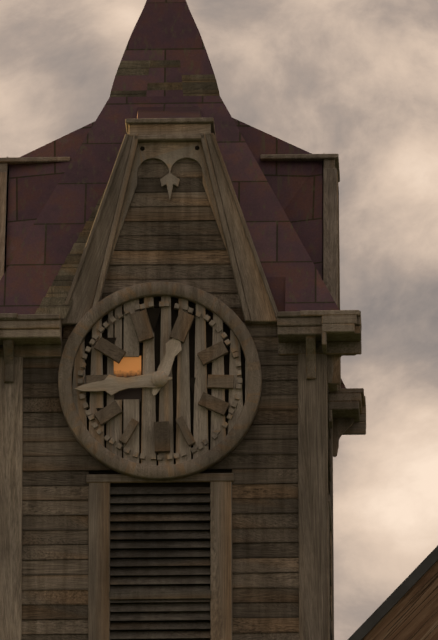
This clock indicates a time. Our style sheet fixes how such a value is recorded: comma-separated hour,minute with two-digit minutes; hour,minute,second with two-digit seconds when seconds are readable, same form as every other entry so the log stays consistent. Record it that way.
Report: 12,44
